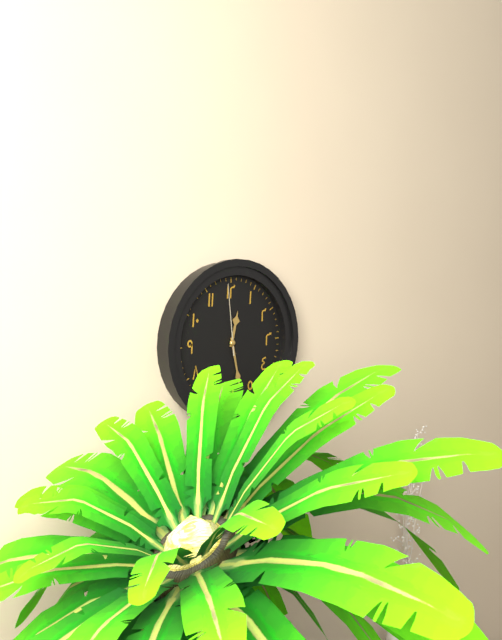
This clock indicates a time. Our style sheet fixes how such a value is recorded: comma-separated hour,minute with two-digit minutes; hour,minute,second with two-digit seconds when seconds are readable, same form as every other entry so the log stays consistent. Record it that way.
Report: 12,28,59
